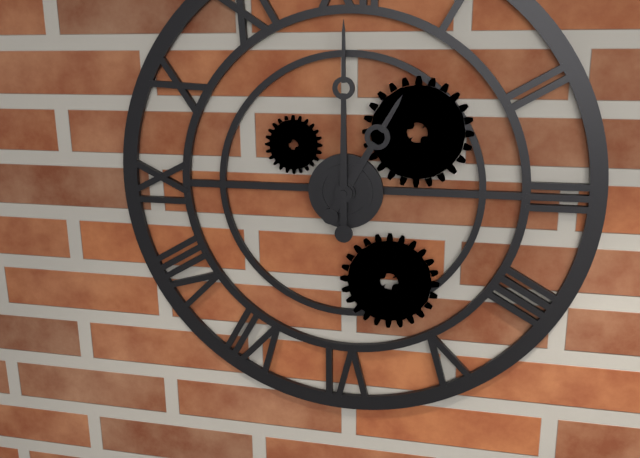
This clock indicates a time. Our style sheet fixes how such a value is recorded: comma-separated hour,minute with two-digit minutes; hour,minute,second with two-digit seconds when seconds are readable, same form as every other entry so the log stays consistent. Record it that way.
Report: 1,00
